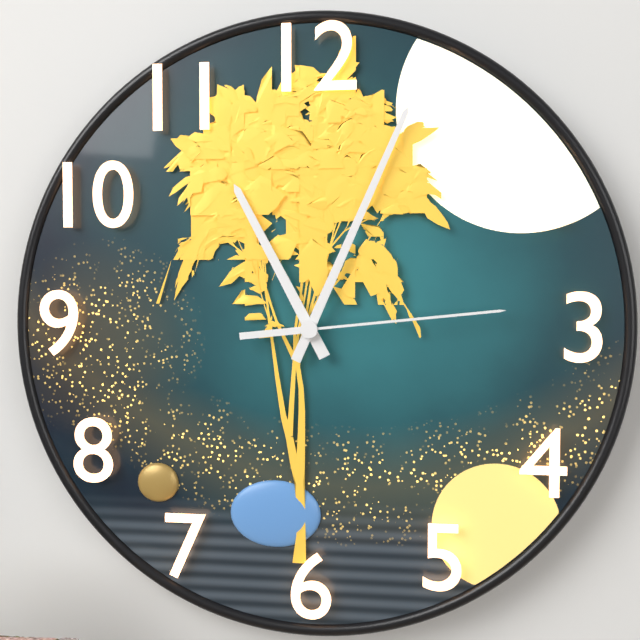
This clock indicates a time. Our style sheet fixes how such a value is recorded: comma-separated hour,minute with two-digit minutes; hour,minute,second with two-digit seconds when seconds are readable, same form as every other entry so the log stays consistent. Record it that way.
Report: 11,04,14
